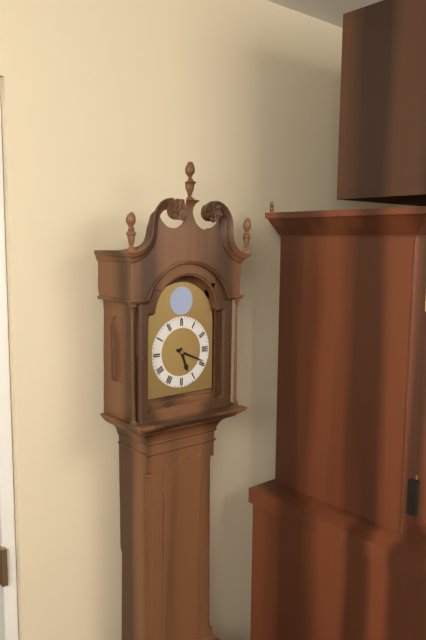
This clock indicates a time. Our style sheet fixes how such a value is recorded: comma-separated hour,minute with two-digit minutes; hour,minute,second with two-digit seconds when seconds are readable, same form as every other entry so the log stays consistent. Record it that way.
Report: 5,19
